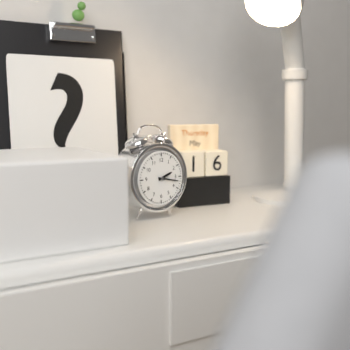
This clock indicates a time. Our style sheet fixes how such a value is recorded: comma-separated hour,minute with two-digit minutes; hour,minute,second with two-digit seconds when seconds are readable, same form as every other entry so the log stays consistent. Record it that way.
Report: 2,17
